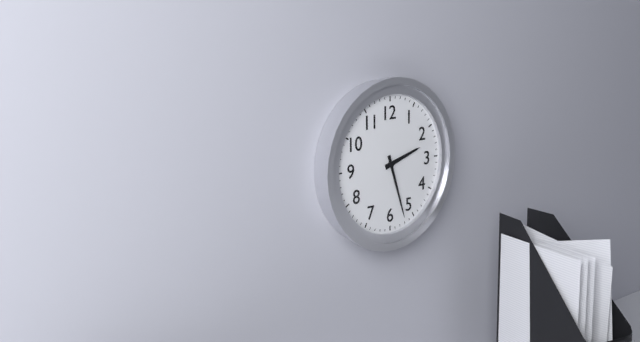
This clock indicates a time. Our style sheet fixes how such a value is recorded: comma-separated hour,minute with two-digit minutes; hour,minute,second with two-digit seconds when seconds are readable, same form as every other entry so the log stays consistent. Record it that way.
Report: 2,27
